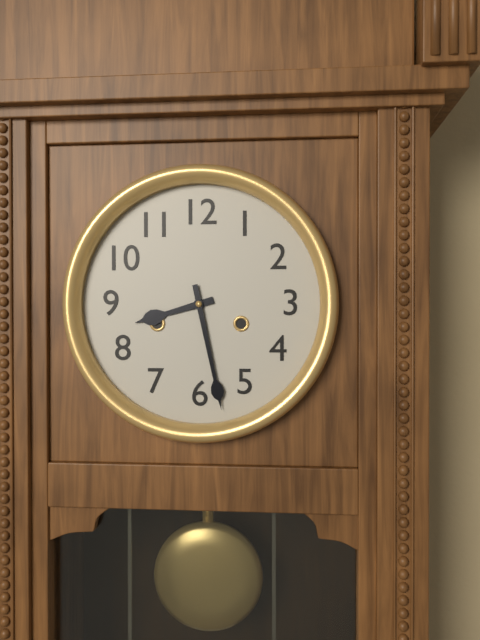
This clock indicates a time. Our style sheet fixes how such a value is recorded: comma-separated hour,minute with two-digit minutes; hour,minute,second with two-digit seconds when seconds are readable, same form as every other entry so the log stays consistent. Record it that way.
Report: 8,28
